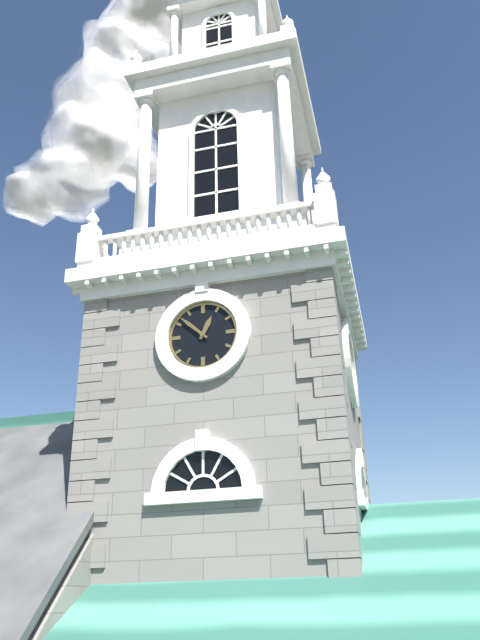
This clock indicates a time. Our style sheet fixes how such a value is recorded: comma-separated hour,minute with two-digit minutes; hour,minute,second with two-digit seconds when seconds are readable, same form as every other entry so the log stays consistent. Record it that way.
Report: 12,52
